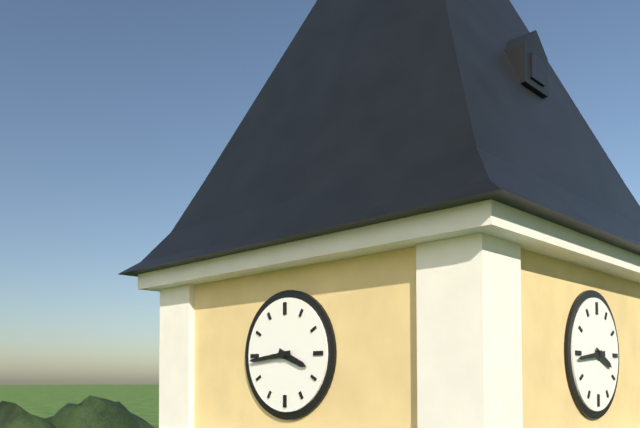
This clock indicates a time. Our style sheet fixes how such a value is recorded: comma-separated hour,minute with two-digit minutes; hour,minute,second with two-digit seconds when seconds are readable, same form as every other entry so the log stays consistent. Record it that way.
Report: 3,44
